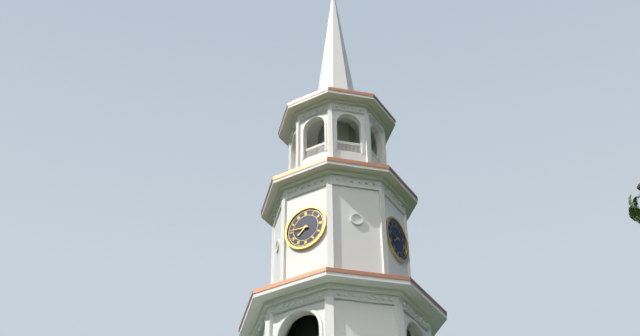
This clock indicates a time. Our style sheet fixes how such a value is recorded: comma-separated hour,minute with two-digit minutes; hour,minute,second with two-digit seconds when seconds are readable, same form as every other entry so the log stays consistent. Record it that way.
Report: 7,46
